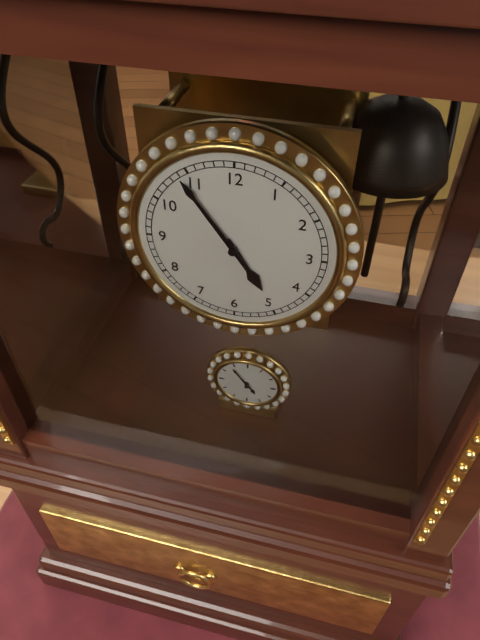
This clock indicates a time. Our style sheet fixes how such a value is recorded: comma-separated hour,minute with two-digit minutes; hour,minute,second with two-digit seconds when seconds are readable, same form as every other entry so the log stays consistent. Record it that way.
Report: 4,54
